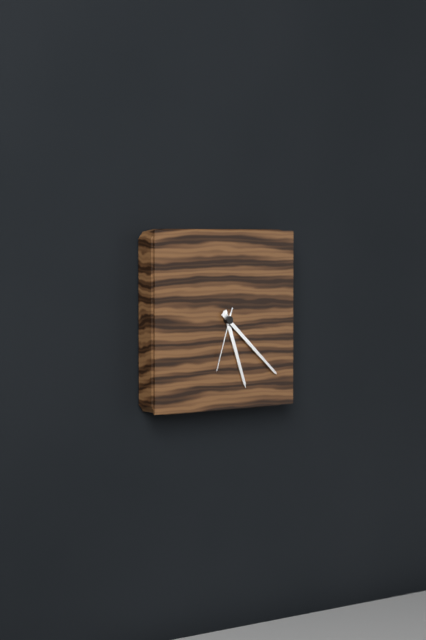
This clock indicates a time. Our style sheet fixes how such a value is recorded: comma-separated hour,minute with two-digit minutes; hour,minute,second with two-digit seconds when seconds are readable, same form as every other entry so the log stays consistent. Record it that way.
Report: 5,22,33
